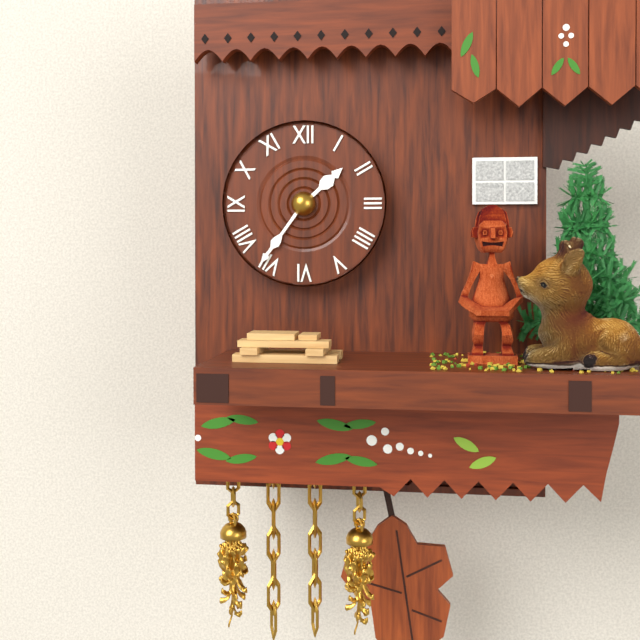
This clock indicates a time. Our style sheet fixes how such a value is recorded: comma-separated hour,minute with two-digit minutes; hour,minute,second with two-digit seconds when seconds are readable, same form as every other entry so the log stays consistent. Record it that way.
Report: 1,36
